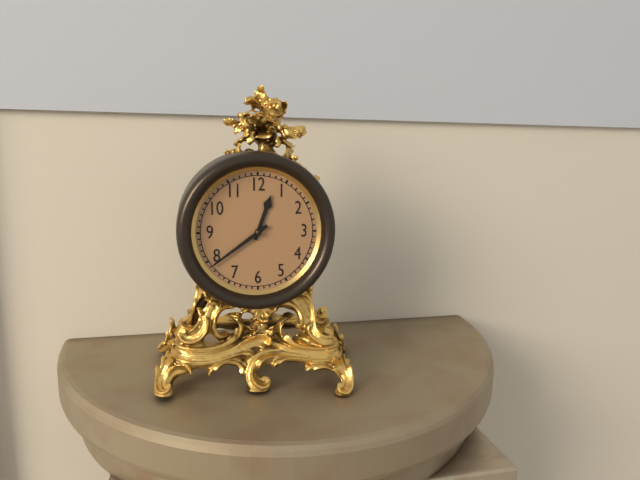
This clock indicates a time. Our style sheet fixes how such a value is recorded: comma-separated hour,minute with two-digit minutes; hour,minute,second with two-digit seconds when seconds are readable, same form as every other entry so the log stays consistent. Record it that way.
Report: 12,39
